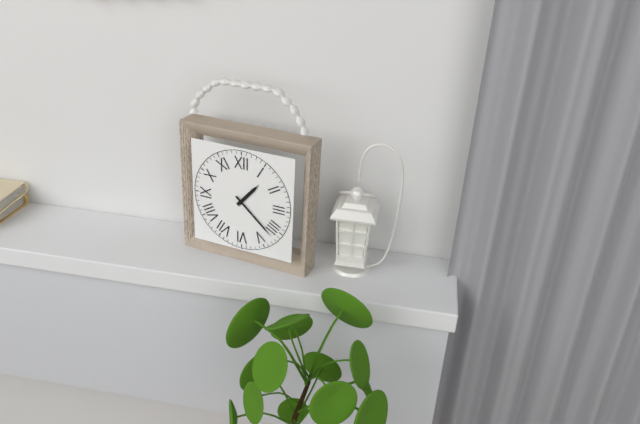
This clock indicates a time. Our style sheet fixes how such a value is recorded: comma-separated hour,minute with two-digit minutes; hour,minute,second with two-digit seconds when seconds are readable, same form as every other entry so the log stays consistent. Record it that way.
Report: 1,22
